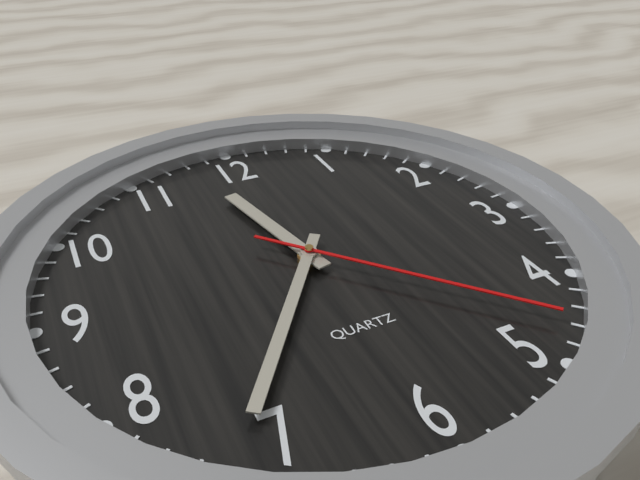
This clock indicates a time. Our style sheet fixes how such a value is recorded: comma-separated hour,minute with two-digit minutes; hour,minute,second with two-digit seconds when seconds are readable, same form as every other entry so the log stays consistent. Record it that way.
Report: 11,36,23
